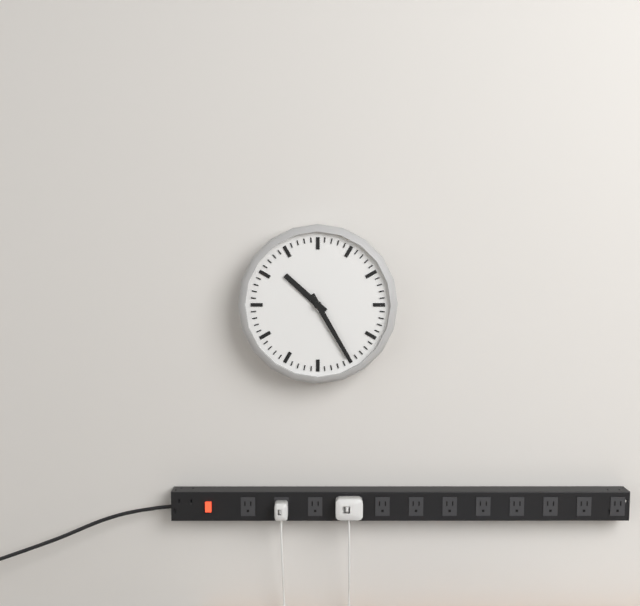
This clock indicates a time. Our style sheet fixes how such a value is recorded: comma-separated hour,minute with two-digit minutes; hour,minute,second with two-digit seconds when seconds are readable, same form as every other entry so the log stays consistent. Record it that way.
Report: 10,25
